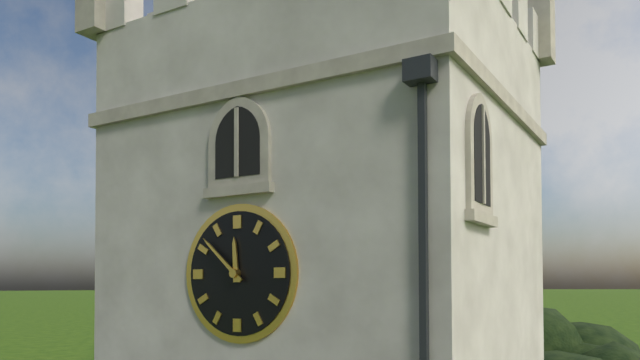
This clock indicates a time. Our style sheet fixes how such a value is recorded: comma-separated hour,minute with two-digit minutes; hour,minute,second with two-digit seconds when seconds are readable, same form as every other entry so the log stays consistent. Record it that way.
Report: 11,52
